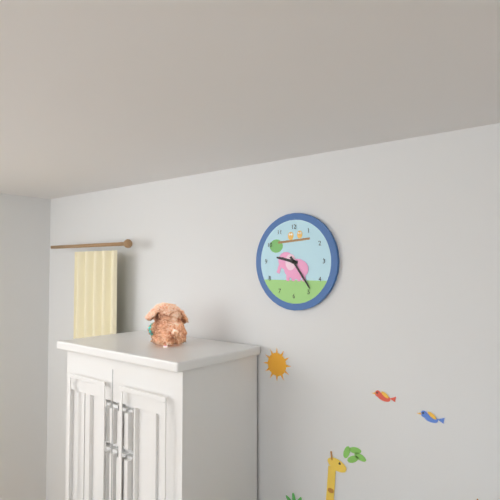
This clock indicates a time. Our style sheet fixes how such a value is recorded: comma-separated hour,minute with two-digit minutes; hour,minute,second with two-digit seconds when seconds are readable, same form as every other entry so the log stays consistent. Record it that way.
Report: 9,24
